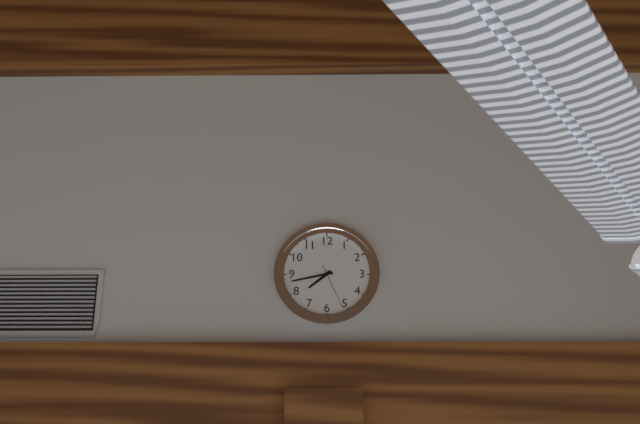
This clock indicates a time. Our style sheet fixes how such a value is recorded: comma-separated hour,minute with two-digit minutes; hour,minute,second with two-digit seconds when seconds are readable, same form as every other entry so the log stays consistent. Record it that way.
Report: 7,43
